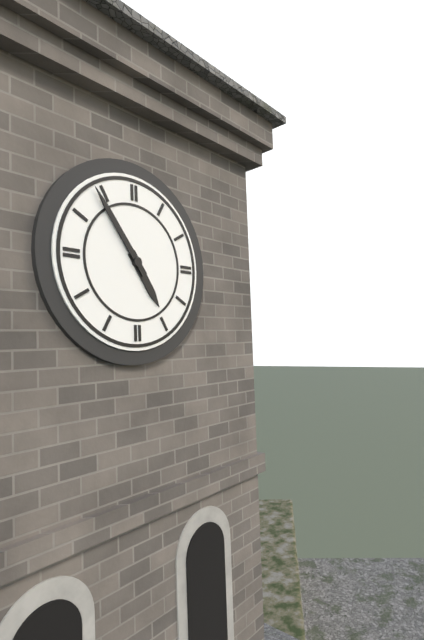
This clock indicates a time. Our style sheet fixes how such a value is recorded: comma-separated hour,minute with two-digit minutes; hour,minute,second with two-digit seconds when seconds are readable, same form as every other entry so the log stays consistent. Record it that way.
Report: 4,54
